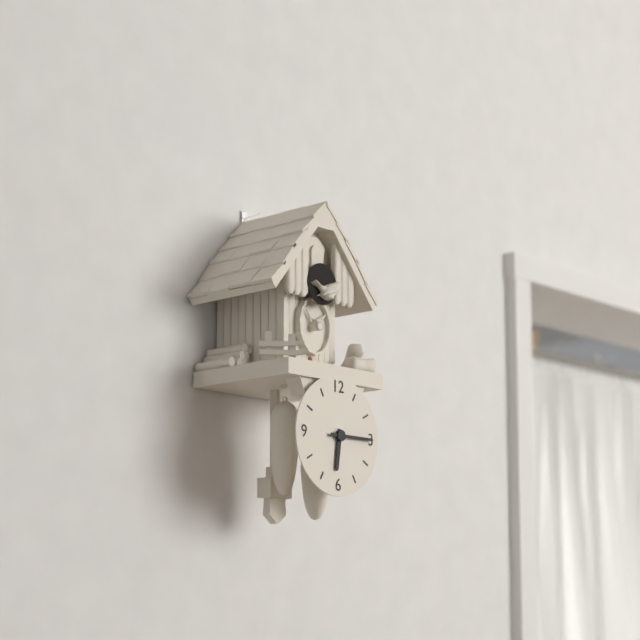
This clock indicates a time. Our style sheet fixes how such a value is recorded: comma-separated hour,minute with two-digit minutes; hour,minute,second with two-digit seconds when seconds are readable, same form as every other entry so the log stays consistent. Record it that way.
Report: 6,15
